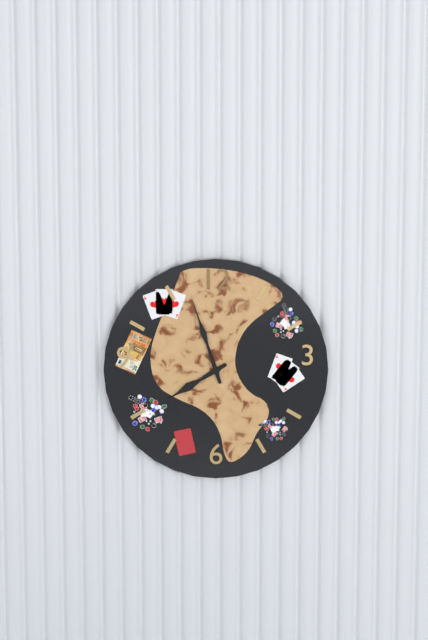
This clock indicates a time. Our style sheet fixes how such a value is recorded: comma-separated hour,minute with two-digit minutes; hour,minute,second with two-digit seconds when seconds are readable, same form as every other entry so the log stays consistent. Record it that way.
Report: 7,57
